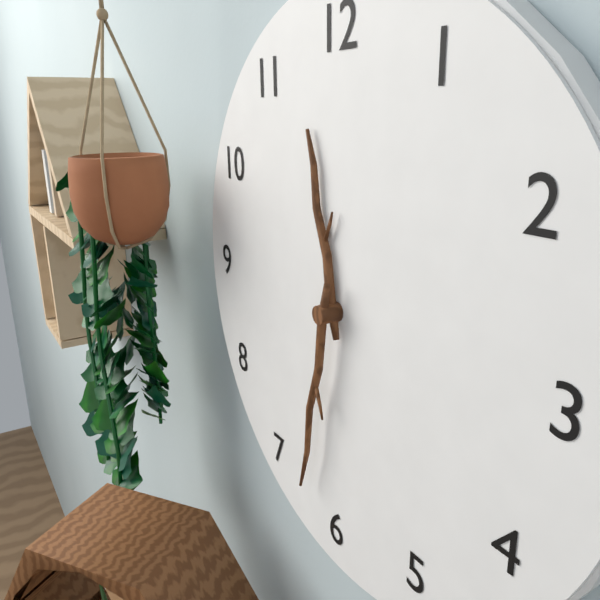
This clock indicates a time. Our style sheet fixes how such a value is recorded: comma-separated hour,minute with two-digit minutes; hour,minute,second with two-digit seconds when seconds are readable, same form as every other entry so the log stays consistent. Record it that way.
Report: 11,32
